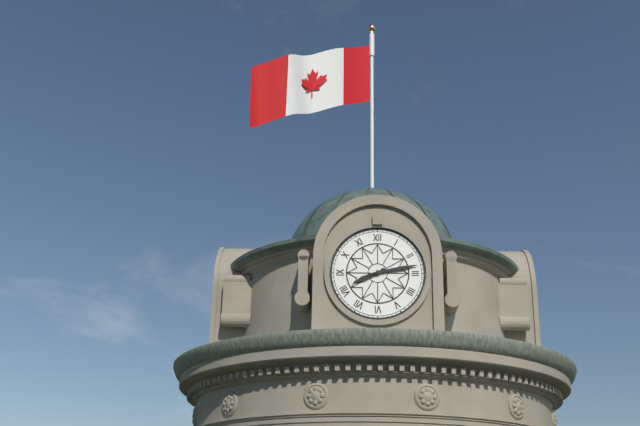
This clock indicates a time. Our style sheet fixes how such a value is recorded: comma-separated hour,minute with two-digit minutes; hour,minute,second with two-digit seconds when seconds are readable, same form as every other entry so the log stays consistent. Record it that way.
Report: 8,13
